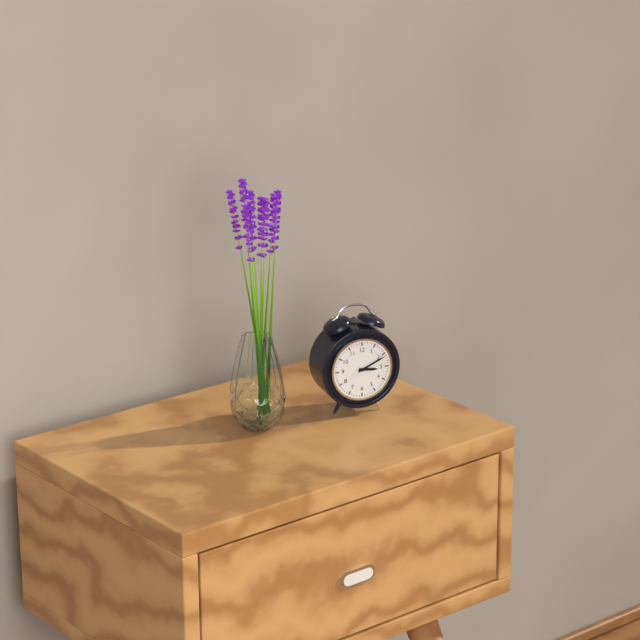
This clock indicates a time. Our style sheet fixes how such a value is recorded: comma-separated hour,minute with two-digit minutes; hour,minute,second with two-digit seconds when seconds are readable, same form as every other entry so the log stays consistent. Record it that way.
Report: 3,11
